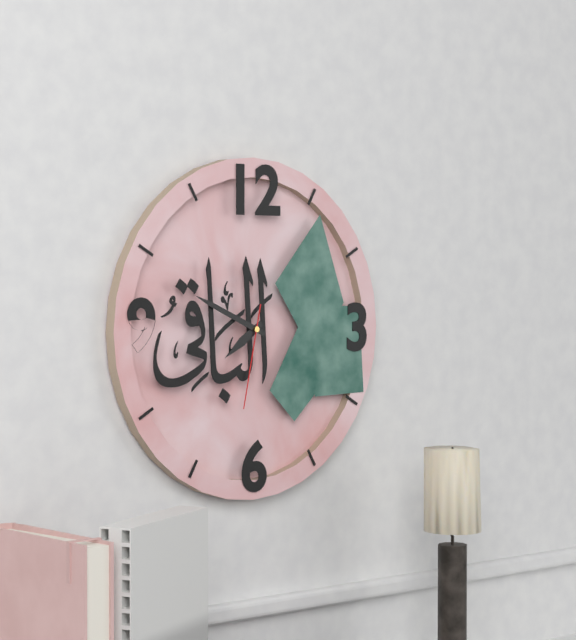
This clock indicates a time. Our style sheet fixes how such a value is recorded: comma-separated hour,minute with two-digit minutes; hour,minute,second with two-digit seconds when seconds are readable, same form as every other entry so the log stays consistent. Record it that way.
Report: 7,49,32
